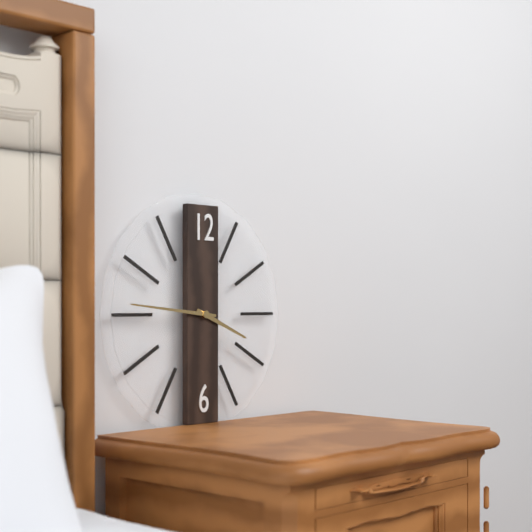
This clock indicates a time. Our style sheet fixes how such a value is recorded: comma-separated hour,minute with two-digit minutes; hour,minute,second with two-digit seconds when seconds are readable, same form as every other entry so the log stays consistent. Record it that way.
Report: 3,46
